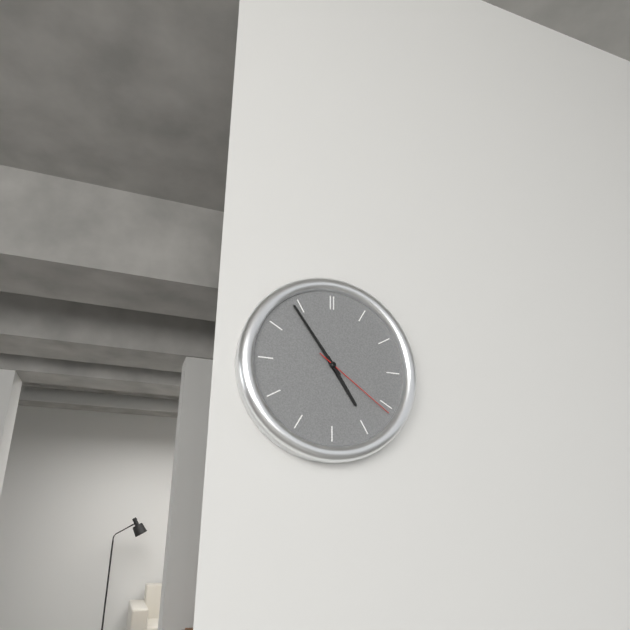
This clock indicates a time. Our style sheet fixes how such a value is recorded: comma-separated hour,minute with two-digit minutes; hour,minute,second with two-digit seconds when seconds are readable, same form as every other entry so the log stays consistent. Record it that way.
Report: 4,54,21
